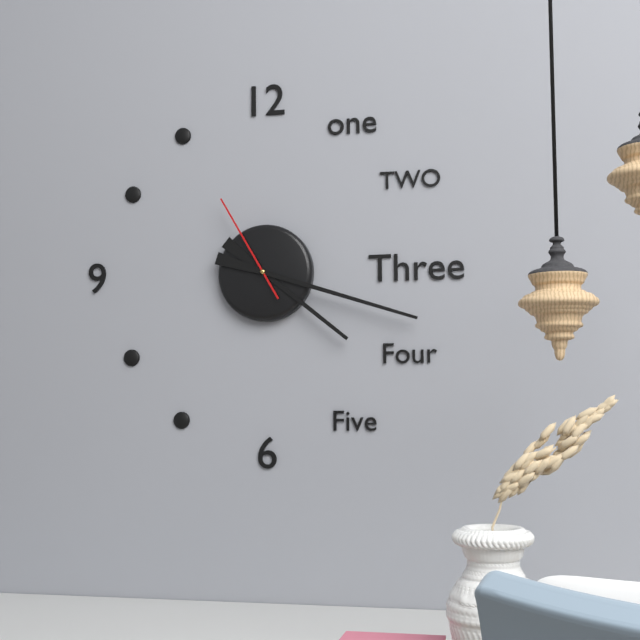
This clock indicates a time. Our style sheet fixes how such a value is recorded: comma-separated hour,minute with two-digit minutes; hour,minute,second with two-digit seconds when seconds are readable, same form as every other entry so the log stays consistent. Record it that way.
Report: 4,18,55
